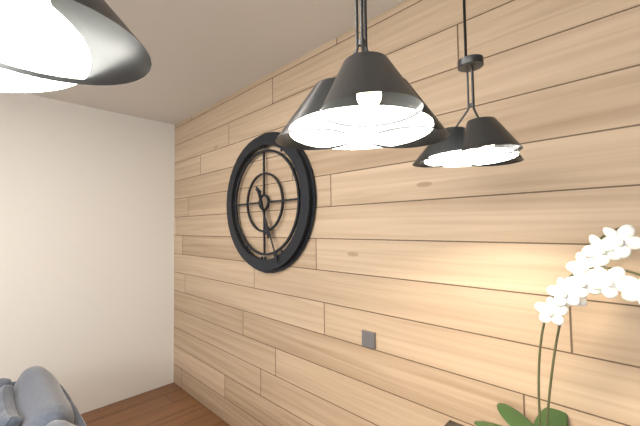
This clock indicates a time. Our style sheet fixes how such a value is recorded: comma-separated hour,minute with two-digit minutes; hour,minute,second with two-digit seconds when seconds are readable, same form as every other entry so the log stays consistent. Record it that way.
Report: 5,26
